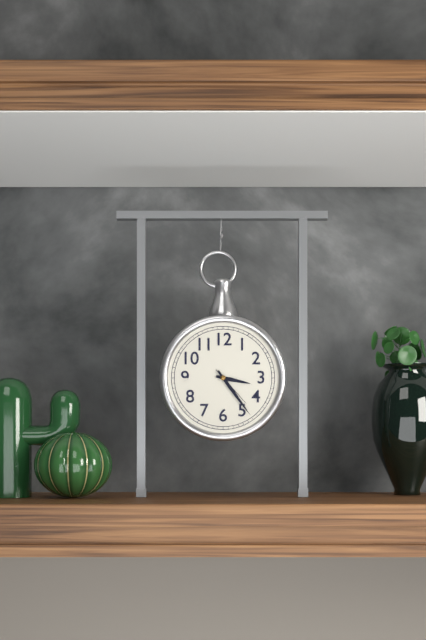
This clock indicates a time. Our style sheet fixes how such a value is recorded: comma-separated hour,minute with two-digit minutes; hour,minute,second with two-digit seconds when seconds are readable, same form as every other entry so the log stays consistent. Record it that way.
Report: 3,24
